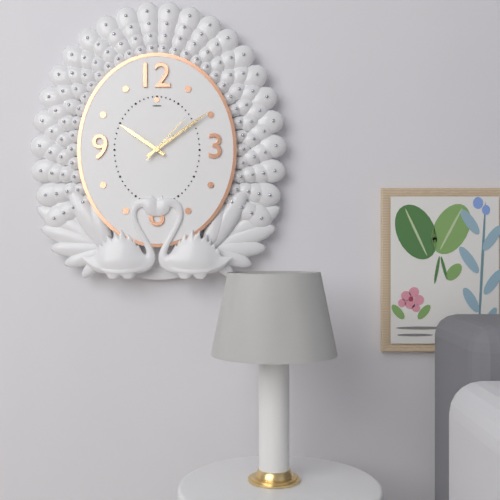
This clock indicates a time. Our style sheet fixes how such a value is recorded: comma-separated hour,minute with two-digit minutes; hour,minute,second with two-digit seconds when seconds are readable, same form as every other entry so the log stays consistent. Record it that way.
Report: 10,09,07
